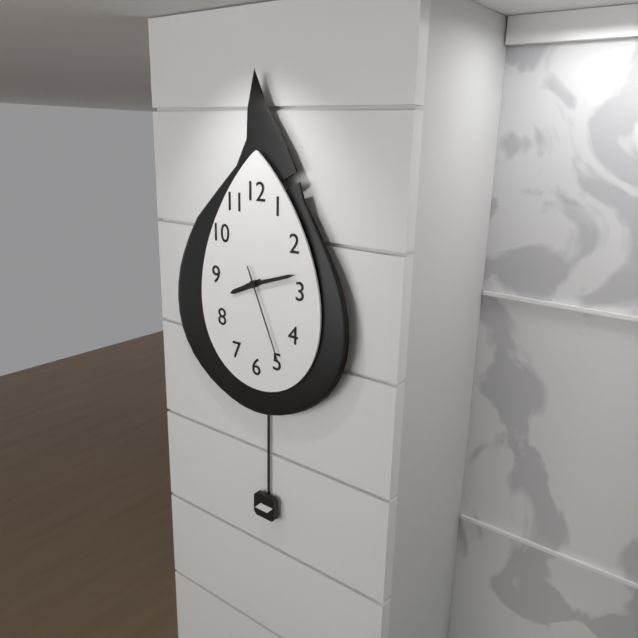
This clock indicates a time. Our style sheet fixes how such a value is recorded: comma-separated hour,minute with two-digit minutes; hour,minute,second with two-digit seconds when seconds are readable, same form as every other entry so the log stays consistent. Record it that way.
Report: 8,12,26
